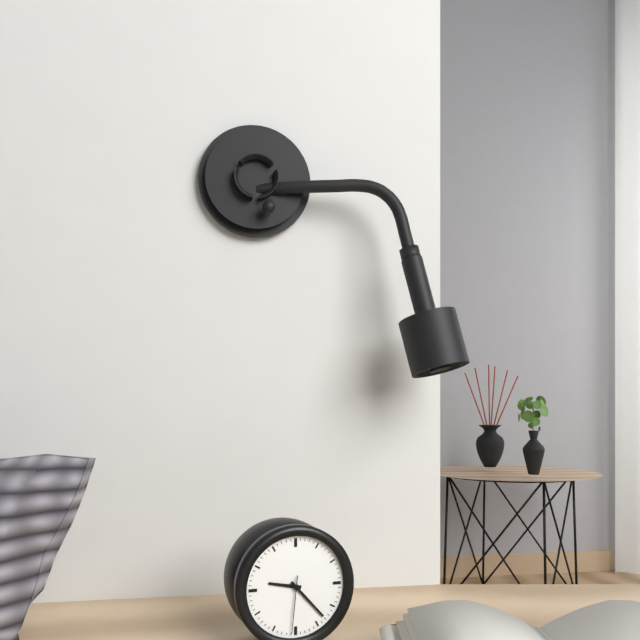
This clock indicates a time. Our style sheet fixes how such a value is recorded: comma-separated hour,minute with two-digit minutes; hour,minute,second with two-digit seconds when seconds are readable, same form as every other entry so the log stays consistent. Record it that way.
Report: 9,23,31
